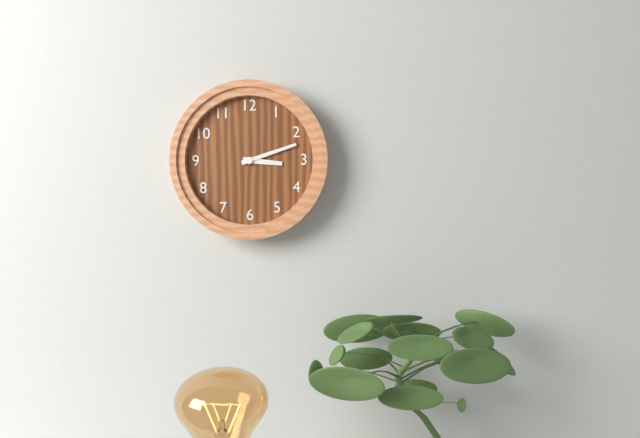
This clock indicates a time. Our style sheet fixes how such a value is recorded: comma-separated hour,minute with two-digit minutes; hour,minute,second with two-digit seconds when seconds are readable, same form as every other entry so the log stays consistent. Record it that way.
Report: 3,12
